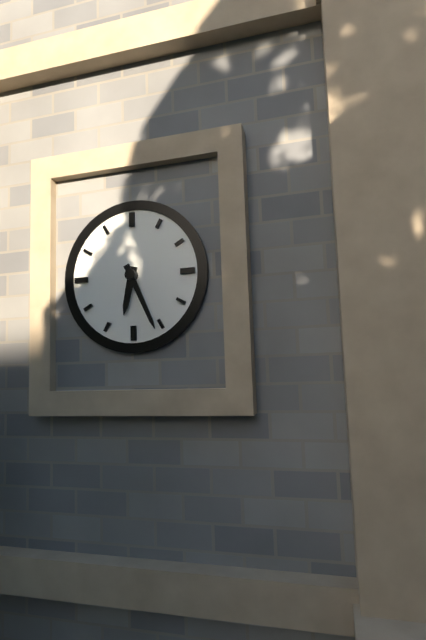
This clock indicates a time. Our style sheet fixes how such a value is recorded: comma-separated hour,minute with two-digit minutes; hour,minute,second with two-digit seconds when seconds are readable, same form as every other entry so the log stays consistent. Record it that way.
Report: 6,26
